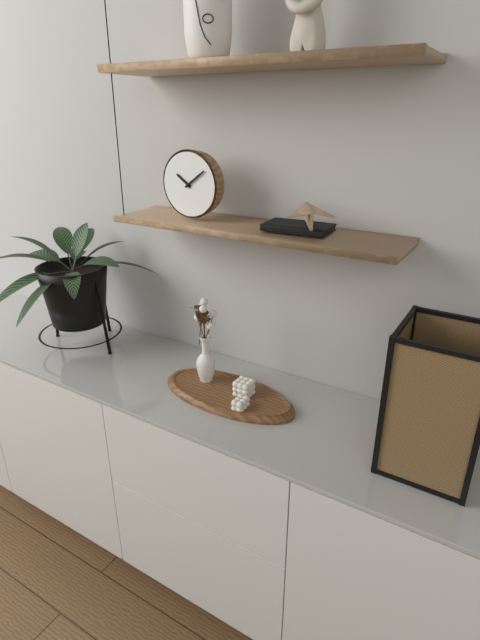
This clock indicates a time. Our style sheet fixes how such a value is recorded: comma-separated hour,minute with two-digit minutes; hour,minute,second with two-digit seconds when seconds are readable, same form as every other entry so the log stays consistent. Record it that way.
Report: 10,09
